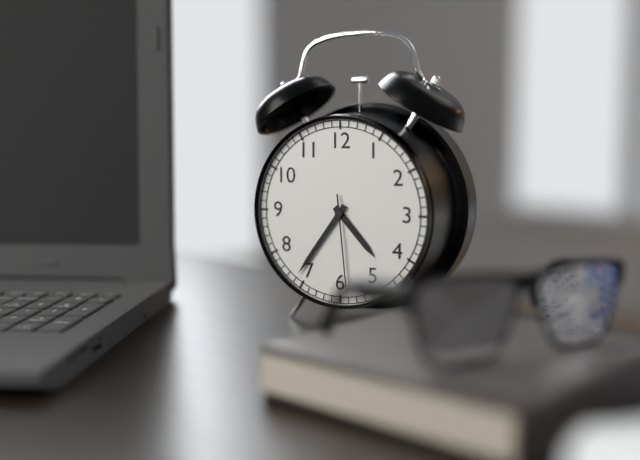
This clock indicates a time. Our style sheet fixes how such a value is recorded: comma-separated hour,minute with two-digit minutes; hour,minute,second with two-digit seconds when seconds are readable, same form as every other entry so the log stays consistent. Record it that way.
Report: 4,36,29
